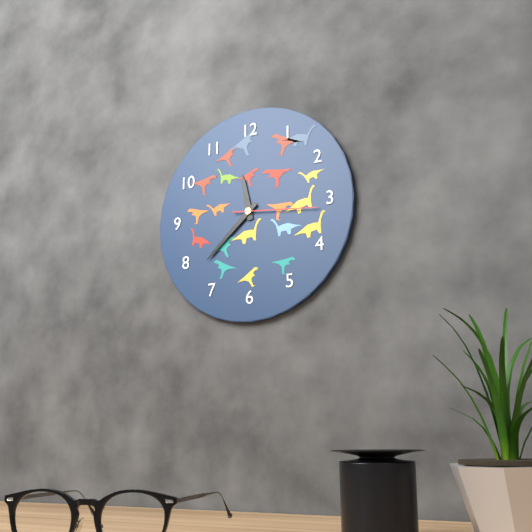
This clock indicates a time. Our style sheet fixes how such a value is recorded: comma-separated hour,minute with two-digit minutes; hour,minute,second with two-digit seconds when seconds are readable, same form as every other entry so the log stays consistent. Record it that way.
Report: 11,38,16
